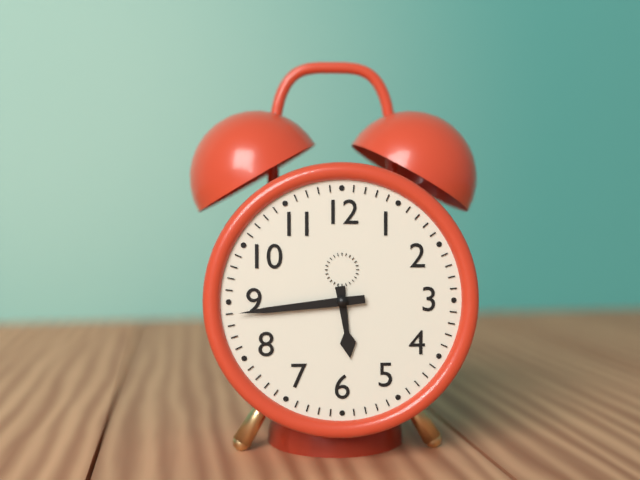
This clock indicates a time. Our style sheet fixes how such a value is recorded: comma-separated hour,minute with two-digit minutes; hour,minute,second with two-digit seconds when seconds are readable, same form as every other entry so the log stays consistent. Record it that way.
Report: 5,44
